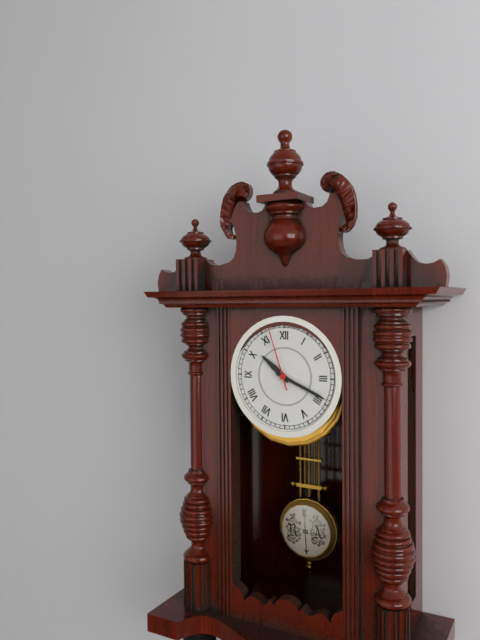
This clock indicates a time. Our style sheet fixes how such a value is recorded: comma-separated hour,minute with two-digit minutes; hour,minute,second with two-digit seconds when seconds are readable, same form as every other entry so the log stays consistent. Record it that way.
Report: 10,19,57
